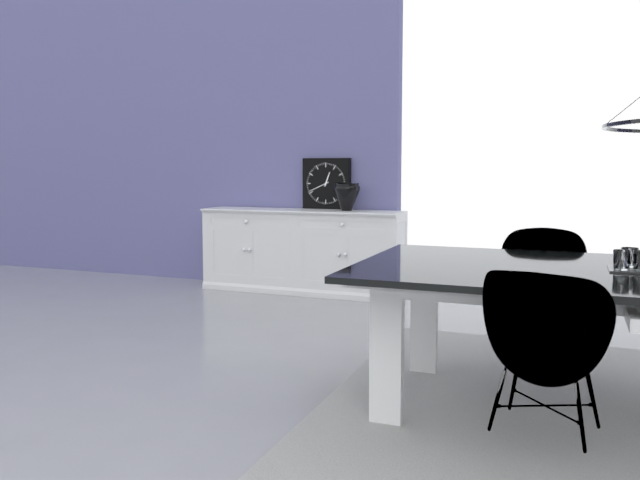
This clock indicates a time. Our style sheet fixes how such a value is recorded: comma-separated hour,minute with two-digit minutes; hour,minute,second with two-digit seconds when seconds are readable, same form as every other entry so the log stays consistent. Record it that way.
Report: 12,41
